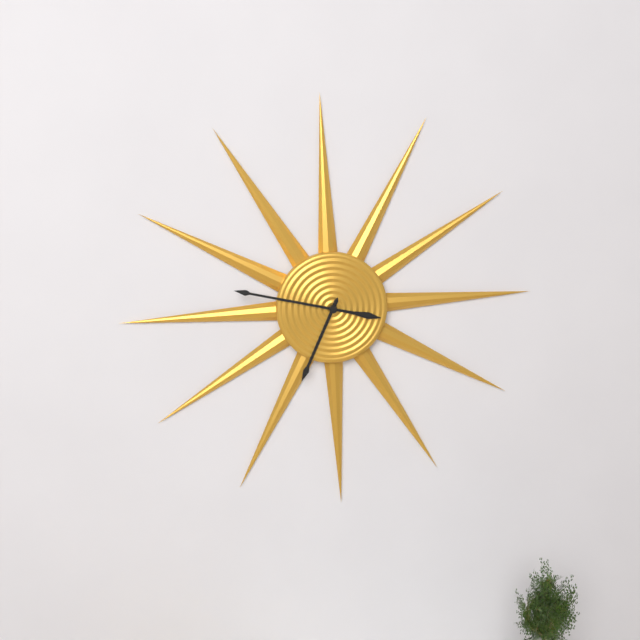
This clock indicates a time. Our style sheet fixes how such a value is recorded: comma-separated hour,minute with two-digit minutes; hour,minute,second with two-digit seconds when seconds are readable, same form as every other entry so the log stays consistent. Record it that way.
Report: 6,47
